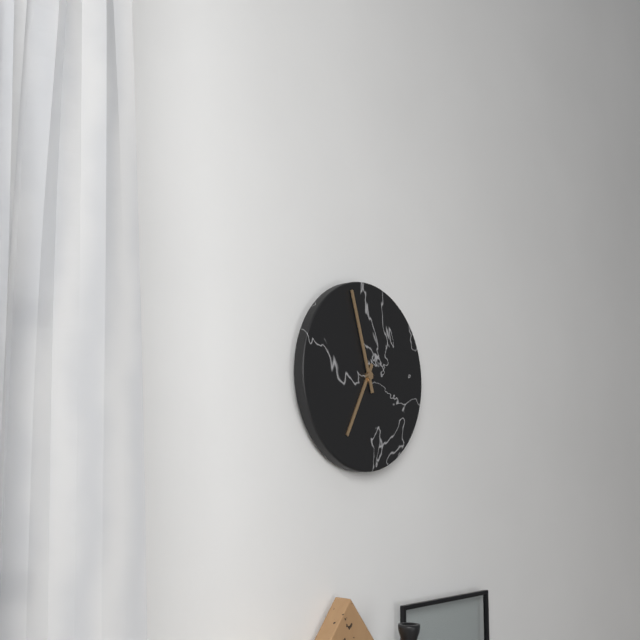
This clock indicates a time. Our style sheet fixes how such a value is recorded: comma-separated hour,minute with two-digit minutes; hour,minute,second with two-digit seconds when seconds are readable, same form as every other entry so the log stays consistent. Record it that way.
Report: 6,57
